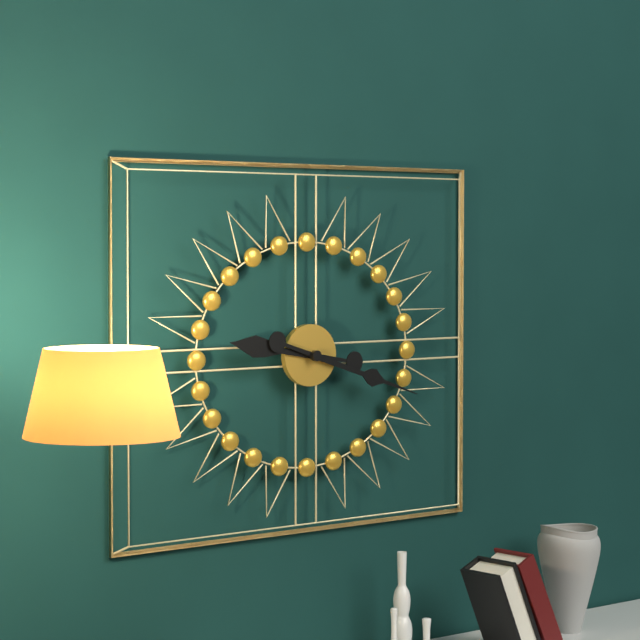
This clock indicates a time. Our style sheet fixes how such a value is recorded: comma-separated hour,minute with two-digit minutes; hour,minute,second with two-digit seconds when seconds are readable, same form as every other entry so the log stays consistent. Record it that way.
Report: 9,18
